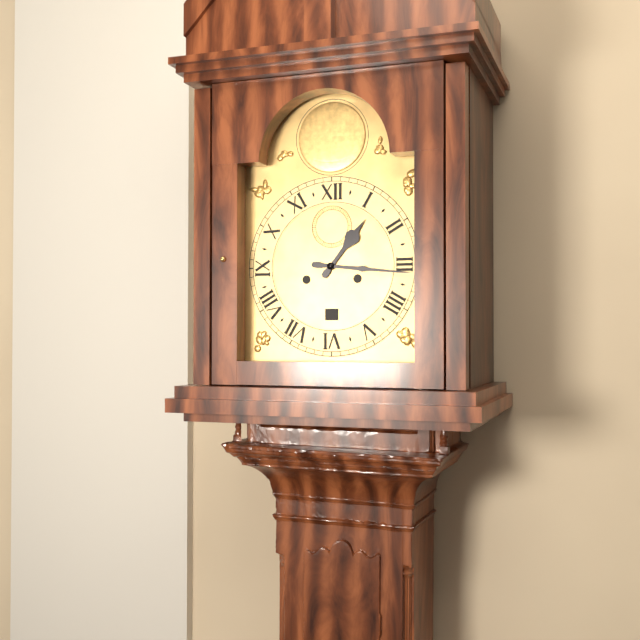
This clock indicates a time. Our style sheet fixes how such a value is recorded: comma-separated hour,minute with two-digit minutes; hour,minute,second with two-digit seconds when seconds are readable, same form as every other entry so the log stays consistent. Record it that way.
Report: 1,16
